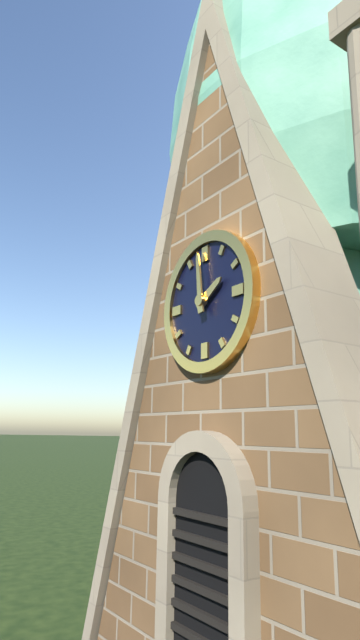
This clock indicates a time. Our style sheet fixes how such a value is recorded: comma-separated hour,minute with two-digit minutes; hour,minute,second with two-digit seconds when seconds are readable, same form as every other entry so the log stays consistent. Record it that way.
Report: 1,59
